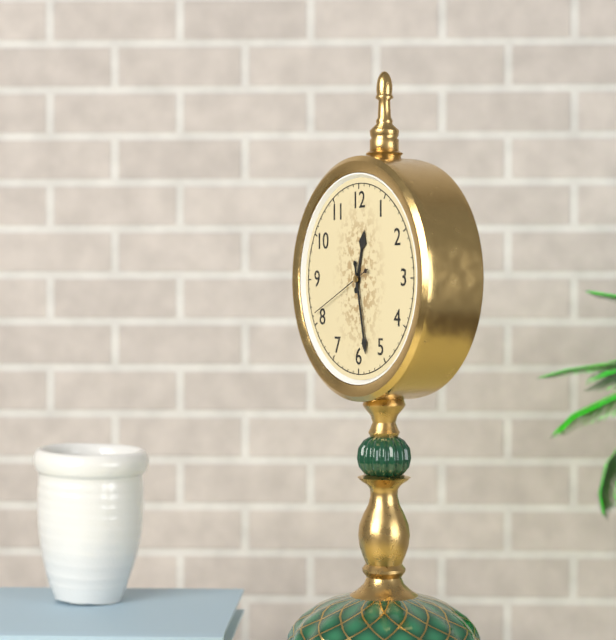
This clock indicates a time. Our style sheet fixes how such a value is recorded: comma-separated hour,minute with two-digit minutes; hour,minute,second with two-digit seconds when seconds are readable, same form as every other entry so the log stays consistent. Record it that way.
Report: 12,28,41
